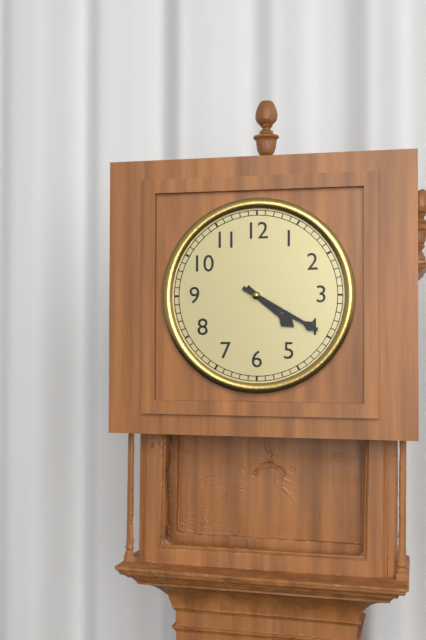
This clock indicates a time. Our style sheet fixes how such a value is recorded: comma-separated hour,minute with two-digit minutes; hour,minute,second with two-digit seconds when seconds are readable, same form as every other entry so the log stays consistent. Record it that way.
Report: 4,20
